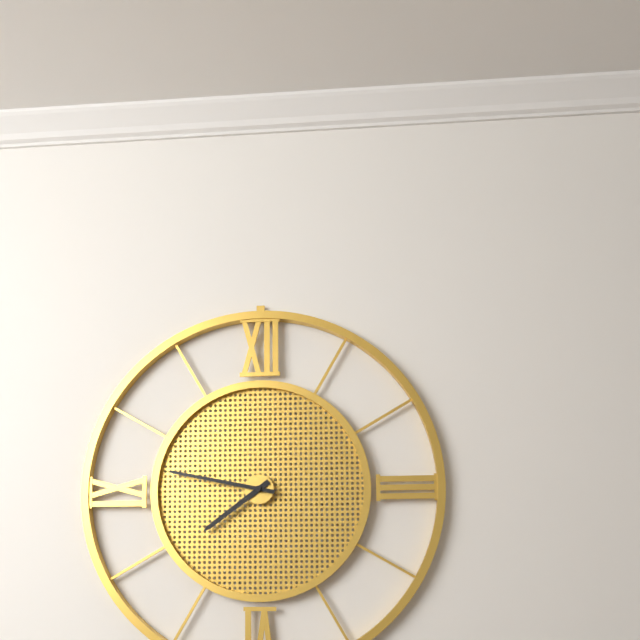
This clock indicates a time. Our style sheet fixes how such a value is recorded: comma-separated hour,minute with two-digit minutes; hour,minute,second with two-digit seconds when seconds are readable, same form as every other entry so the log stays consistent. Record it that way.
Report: 7,47
